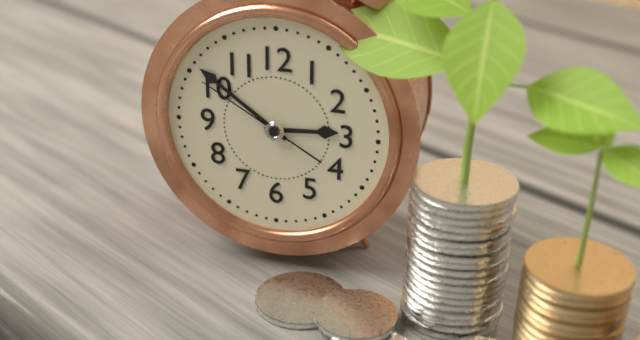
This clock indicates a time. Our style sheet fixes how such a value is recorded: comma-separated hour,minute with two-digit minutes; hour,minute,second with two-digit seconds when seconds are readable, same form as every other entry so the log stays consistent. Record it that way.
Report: 2,51,50
